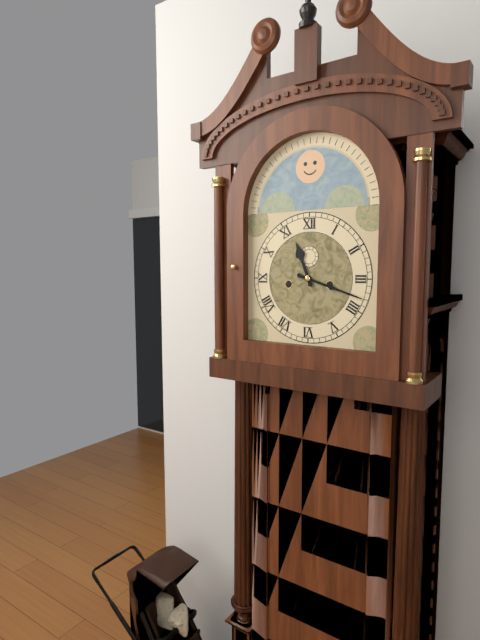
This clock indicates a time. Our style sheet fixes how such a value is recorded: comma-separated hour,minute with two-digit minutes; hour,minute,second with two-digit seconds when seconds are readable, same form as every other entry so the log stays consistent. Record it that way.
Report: 11,18
